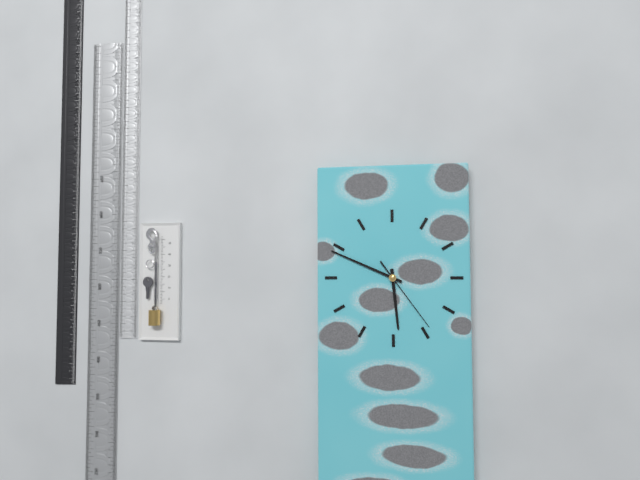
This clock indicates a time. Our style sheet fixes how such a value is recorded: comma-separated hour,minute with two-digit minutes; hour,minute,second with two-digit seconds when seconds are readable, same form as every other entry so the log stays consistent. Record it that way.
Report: 5,49,24
